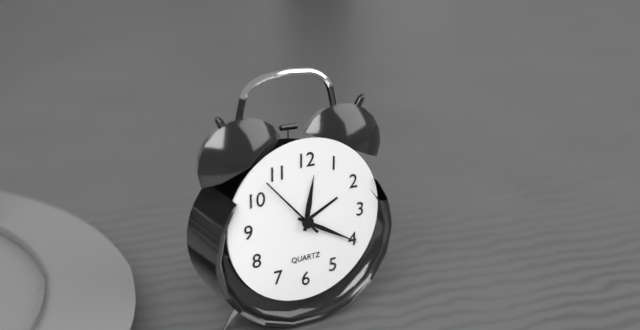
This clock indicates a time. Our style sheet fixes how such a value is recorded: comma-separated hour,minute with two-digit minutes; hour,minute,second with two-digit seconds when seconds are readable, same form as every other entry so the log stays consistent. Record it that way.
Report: 12,20,53
